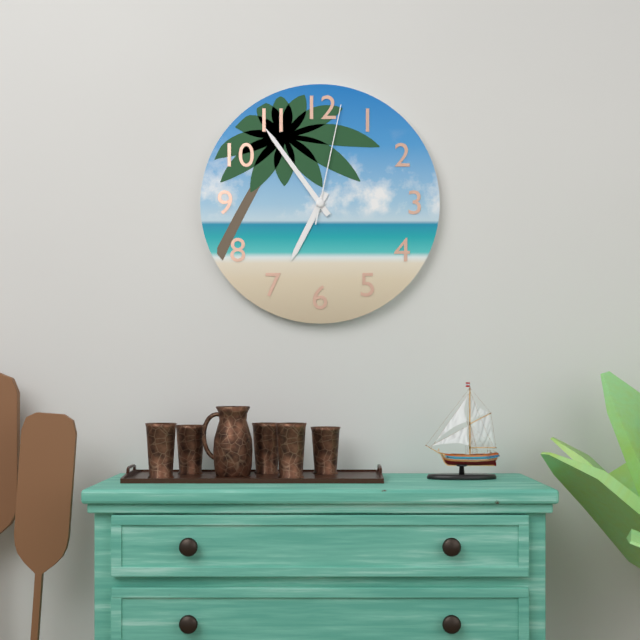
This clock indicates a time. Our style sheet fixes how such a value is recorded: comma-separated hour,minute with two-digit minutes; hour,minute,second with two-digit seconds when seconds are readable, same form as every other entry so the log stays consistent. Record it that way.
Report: 6,54,02
